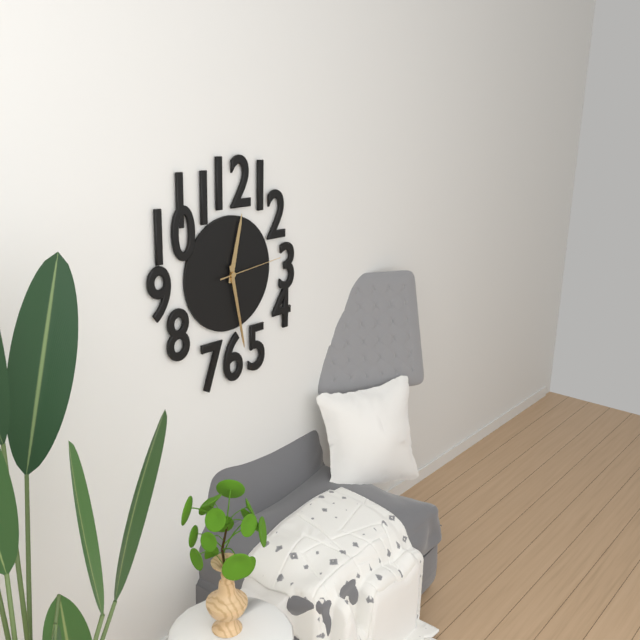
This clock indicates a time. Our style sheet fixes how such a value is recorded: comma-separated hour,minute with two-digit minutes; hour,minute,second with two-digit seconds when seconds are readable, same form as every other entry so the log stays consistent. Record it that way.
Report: 12,28,14
